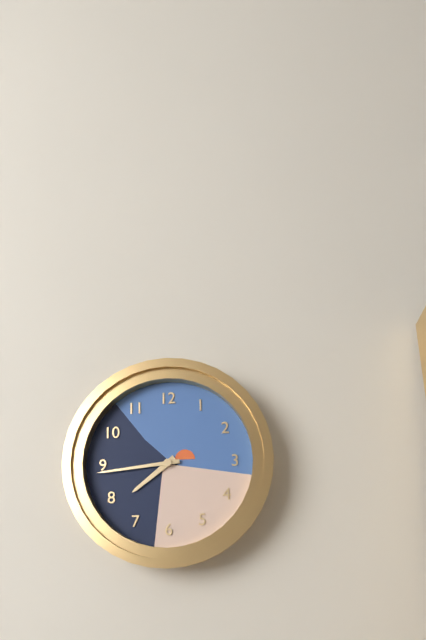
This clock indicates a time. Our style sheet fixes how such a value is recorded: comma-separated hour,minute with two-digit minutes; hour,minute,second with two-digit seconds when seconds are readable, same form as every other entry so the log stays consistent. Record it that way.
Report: 7,44
